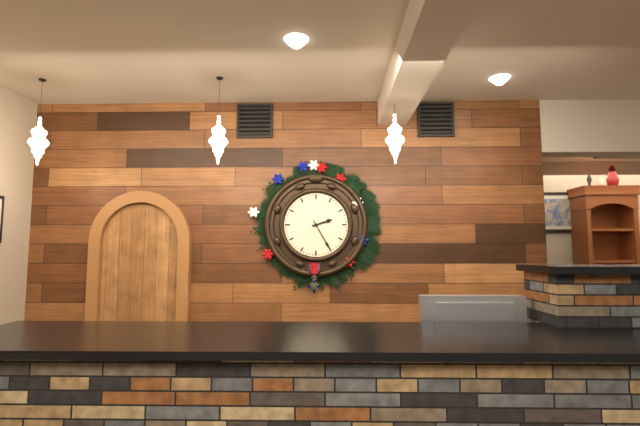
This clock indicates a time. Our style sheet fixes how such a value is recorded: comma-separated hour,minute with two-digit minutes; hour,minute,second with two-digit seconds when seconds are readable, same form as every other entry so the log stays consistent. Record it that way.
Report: 2,25
